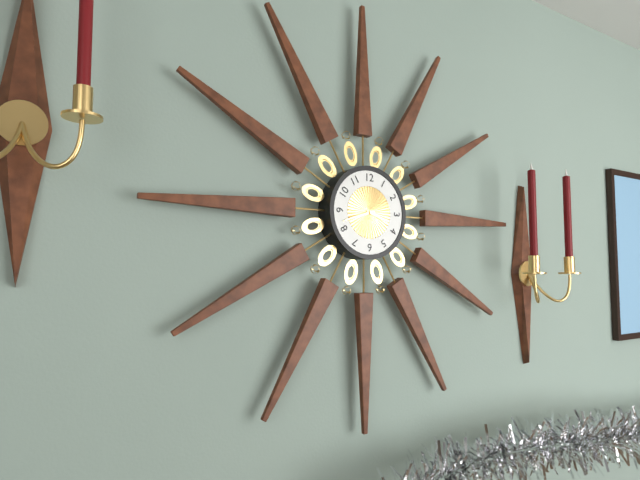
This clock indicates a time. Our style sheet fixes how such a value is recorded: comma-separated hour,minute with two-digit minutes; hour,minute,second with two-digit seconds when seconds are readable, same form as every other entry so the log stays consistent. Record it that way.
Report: 3,42
